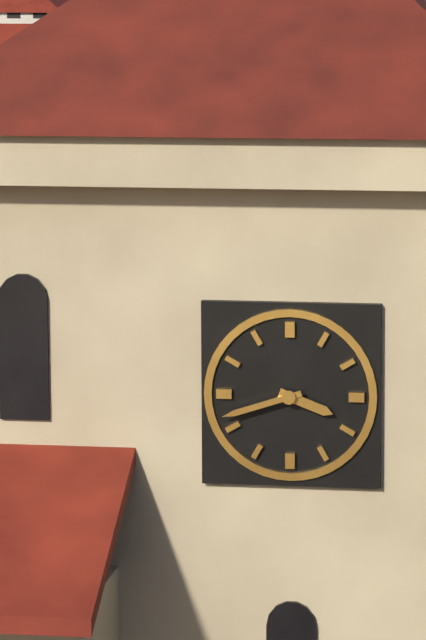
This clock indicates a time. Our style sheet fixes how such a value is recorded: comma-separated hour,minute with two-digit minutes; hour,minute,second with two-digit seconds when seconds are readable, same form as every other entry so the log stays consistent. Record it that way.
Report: 3,42
